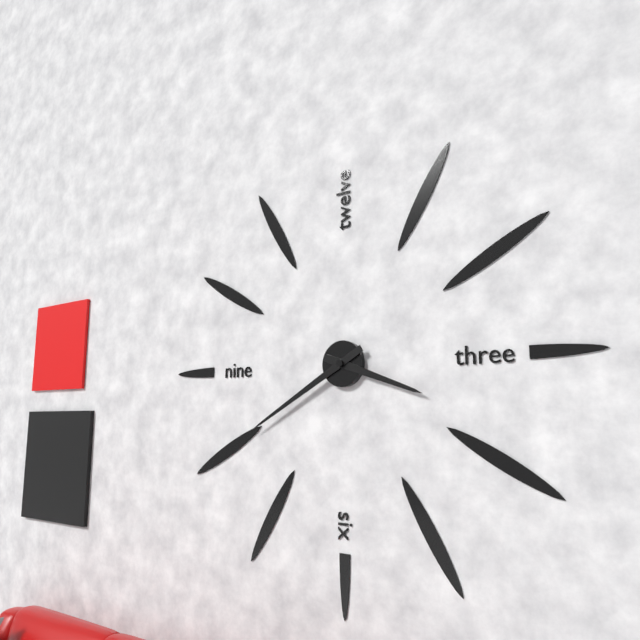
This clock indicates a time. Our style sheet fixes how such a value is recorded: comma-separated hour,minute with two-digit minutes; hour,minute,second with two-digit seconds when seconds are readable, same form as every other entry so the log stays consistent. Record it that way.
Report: 3,40
